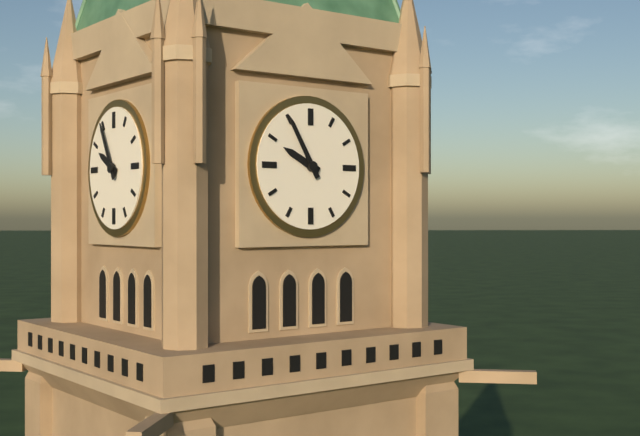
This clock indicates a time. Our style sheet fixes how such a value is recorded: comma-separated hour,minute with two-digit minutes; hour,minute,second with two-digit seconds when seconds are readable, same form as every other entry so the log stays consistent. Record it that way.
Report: 9,55
